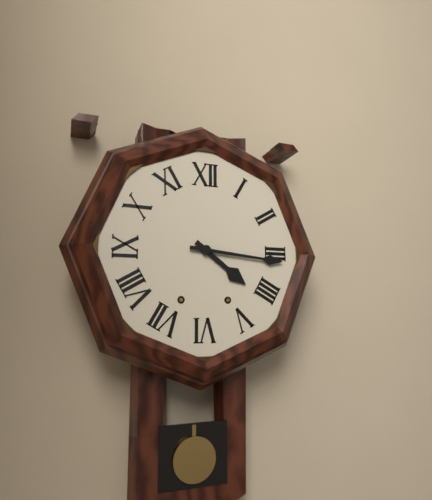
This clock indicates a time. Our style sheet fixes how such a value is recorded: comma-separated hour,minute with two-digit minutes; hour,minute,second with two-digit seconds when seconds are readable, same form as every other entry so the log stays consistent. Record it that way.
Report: 4,16
